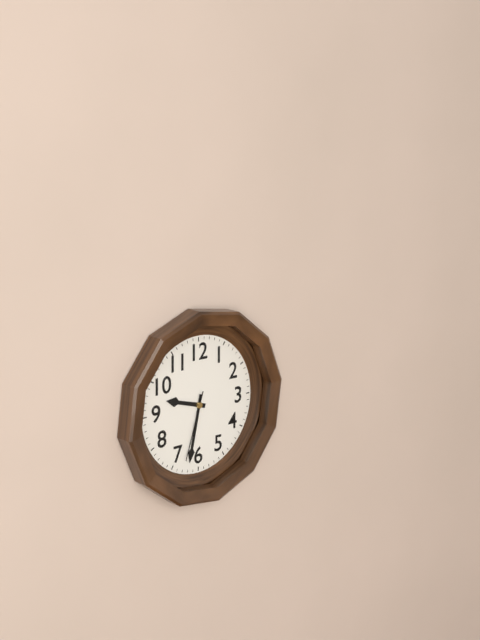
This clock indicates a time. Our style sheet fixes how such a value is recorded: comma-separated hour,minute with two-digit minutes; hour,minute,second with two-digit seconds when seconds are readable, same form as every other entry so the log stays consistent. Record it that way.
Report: 9,32,33
